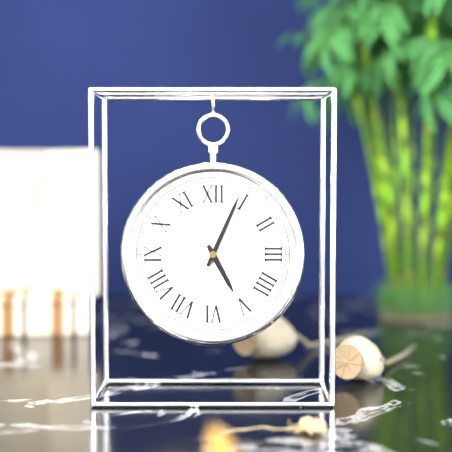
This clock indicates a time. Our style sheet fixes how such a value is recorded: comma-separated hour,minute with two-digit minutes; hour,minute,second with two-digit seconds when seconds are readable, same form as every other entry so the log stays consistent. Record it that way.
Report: 5,04
